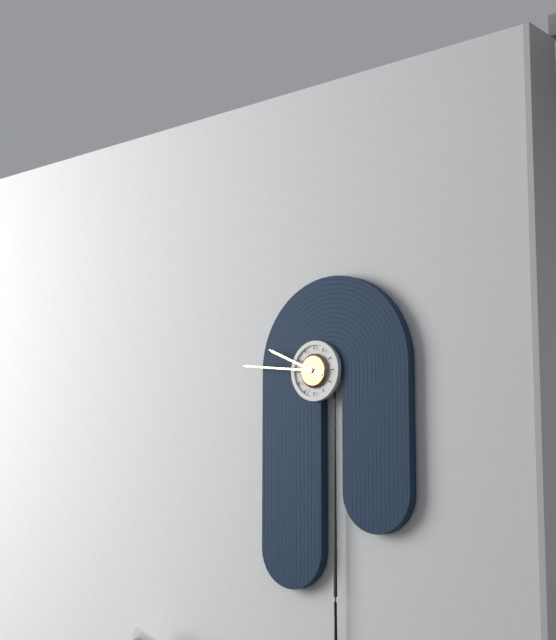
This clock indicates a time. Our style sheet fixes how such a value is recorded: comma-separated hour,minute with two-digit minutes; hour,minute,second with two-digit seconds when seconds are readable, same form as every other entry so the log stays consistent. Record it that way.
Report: 9,46
